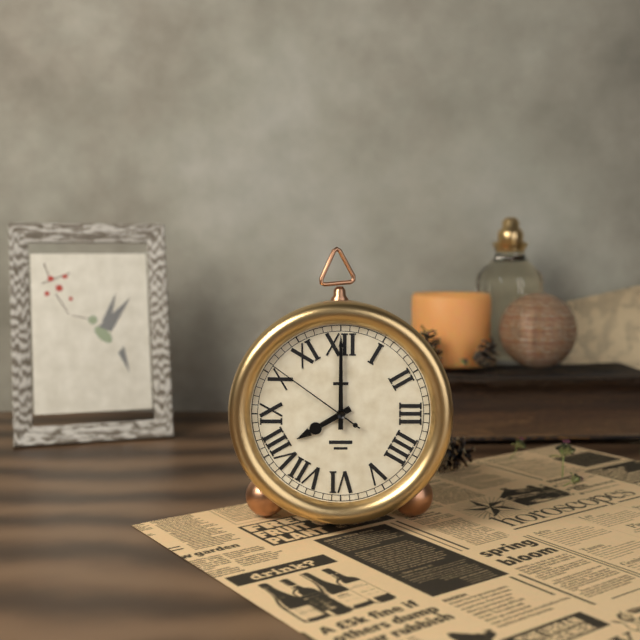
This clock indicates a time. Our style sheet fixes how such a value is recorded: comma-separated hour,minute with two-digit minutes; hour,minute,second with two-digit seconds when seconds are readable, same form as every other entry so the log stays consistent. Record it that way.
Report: 8,00,51
